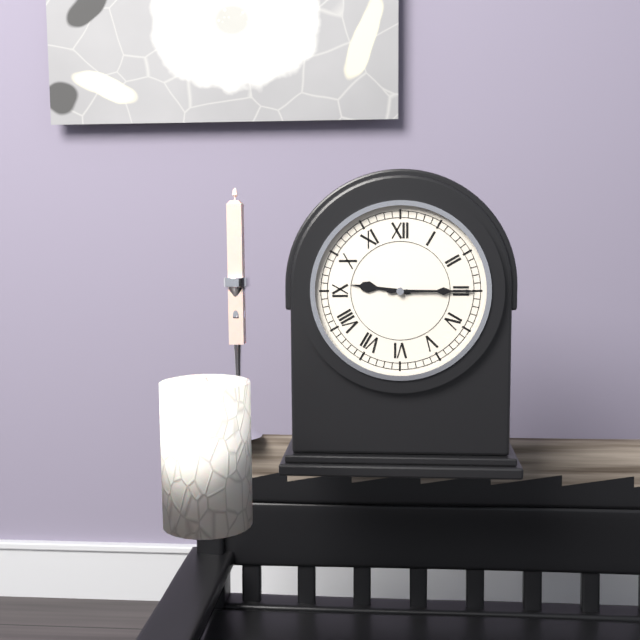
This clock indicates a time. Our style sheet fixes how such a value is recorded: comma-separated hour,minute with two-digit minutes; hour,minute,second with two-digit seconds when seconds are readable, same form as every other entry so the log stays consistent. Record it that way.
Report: 9,15
